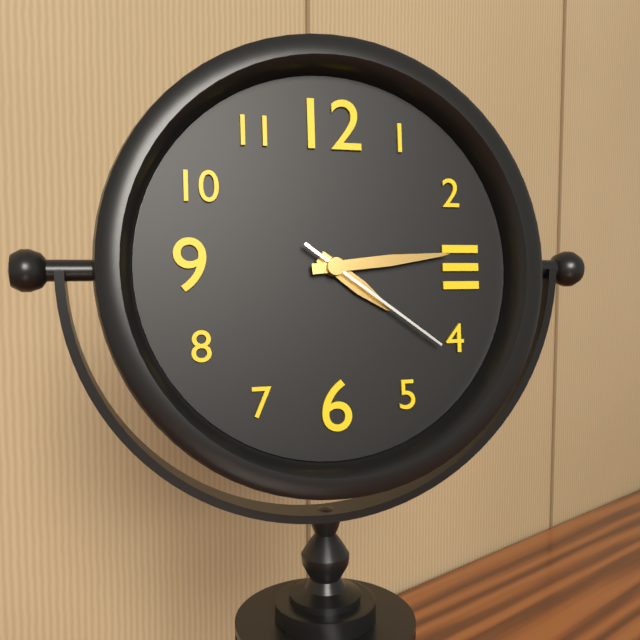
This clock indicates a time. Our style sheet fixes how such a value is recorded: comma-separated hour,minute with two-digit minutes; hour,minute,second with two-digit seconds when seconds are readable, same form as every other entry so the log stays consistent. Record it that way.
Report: 4,14,21
